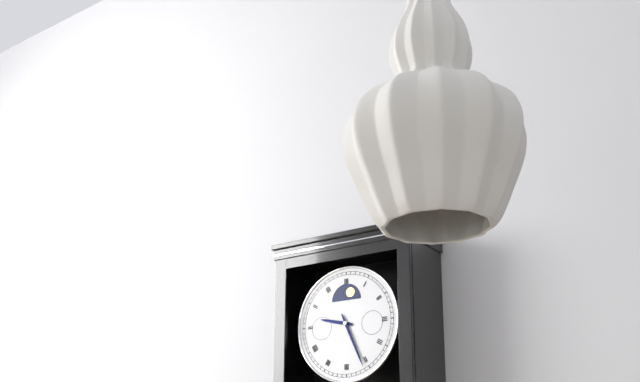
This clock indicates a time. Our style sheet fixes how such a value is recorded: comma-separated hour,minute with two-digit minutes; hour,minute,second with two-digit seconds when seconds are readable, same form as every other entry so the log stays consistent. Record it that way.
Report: 9,26
